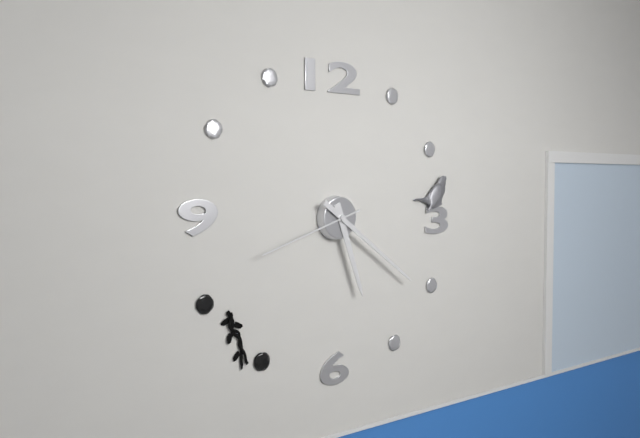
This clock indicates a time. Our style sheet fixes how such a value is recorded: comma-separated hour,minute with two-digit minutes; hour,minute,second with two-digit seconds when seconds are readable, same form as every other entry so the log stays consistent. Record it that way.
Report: 5,21,42
